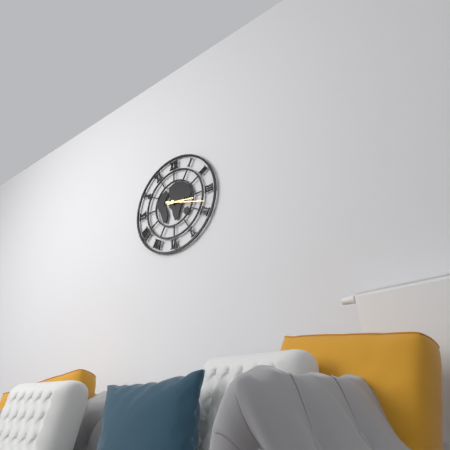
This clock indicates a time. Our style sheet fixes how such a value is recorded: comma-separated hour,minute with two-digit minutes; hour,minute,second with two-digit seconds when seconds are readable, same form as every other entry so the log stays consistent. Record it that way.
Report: 3,18
